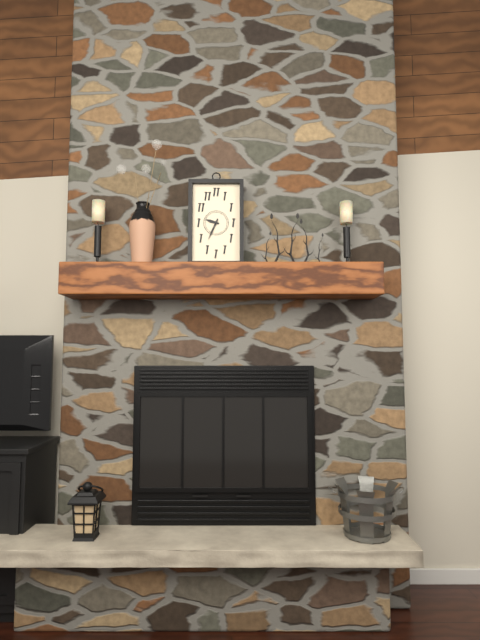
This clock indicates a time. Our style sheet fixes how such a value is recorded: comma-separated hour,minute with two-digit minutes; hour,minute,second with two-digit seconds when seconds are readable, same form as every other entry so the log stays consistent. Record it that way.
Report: 9,34
